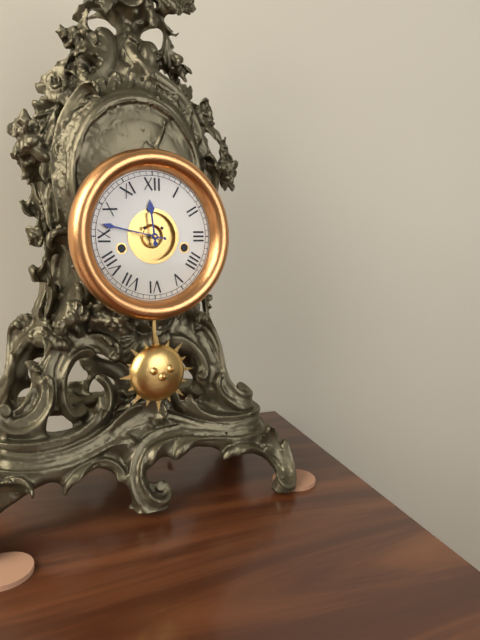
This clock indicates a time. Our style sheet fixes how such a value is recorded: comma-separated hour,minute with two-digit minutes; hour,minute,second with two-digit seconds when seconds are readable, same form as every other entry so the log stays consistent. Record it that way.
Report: 11,47
